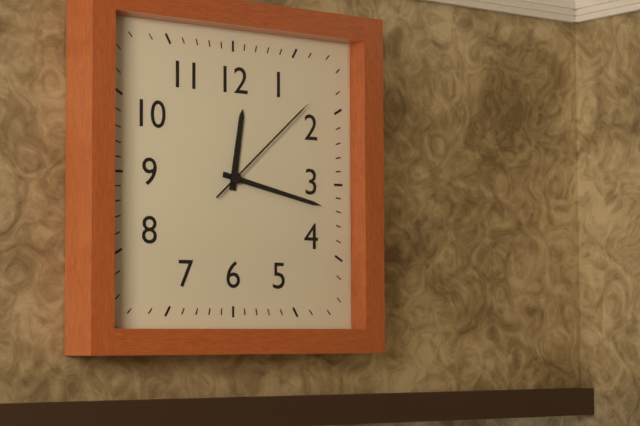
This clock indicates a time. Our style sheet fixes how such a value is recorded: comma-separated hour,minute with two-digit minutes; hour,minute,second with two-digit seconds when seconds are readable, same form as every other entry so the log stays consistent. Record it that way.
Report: 12,17,08
